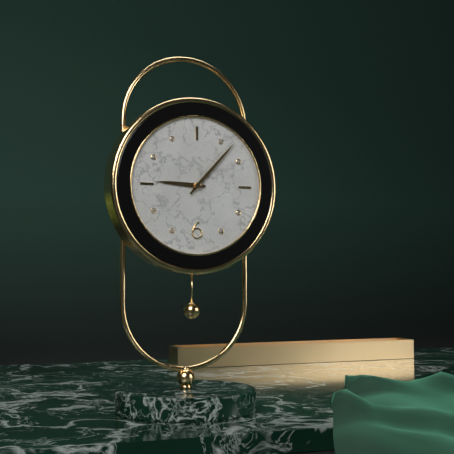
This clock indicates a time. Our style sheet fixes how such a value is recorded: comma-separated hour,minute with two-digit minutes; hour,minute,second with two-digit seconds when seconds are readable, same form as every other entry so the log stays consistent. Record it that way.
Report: 9,07
